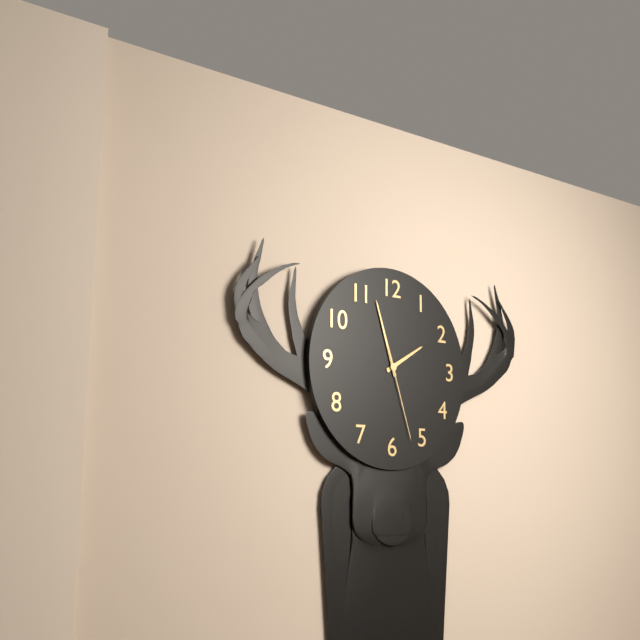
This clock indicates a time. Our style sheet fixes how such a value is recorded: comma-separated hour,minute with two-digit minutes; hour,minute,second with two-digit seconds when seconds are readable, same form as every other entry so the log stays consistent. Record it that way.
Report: 1,57,27
